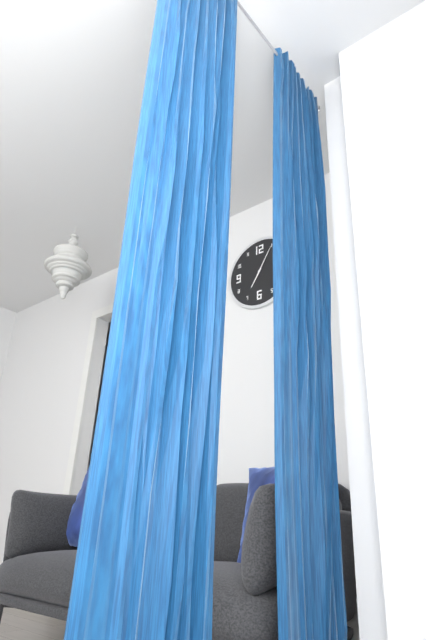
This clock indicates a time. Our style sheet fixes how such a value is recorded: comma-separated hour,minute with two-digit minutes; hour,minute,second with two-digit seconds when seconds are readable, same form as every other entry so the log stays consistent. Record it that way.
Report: 7,05
